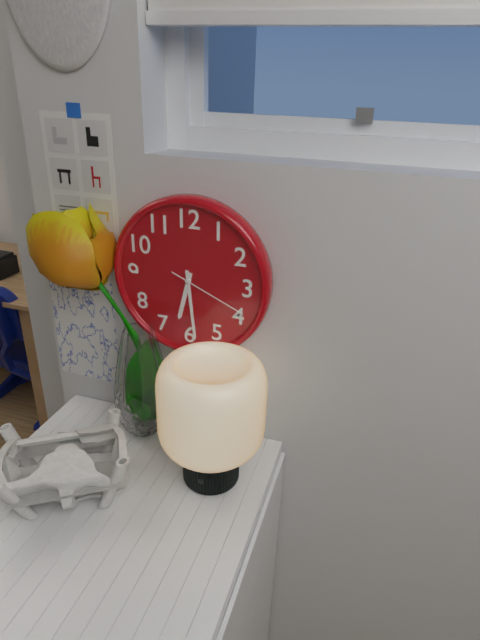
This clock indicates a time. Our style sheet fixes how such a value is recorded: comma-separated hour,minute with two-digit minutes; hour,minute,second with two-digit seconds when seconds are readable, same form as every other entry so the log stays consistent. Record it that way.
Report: 6,29,19
